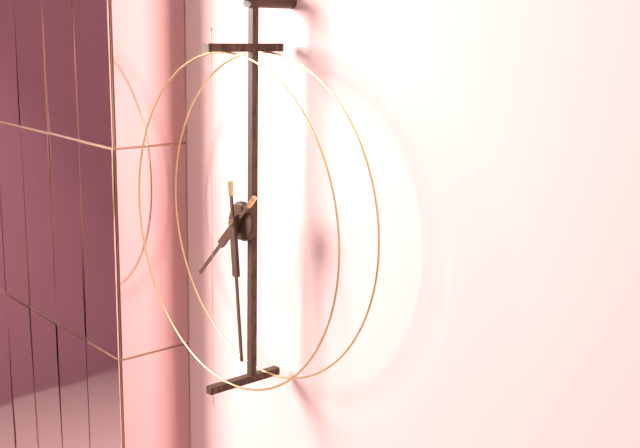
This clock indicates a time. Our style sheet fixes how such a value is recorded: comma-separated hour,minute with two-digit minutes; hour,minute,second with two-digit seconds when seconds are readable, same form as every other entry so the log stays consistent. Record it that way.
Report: 7,29
